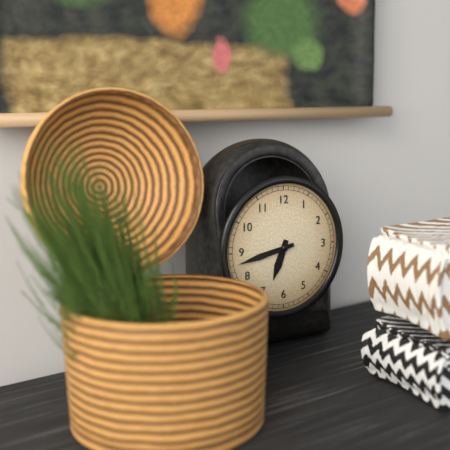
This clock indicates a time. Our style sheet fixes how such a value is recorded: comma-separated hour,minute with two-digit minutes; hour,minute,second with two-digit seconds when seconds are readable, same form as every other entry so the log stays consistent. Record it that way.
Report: 6,43
